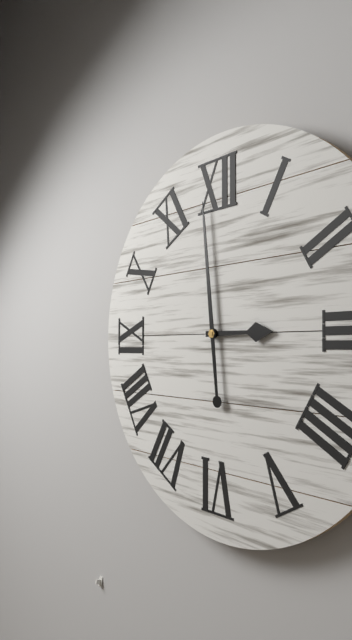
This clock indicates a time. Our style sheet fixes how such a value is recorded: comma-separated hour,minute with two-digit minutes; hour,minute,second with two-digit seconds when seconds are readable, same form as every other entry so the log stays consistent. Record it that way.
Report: 2,59
